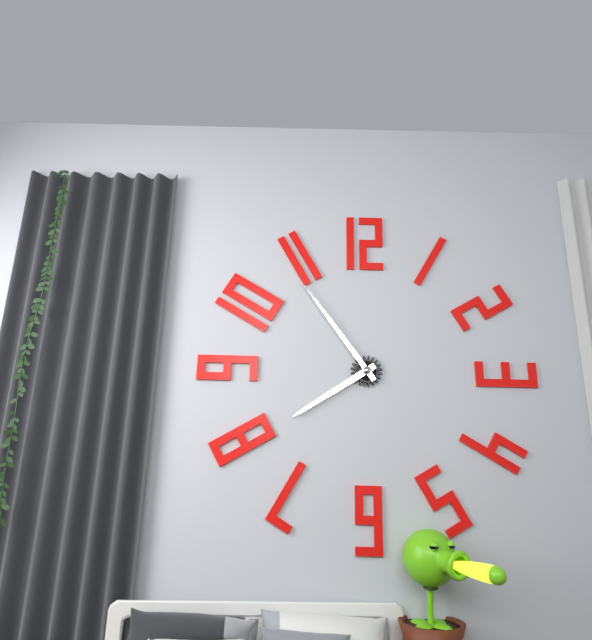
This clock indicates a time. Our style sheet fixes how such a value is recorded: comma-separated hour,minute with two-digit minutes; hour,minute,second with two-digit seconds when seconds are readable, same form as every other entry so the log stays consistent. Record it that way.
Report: 7,54
